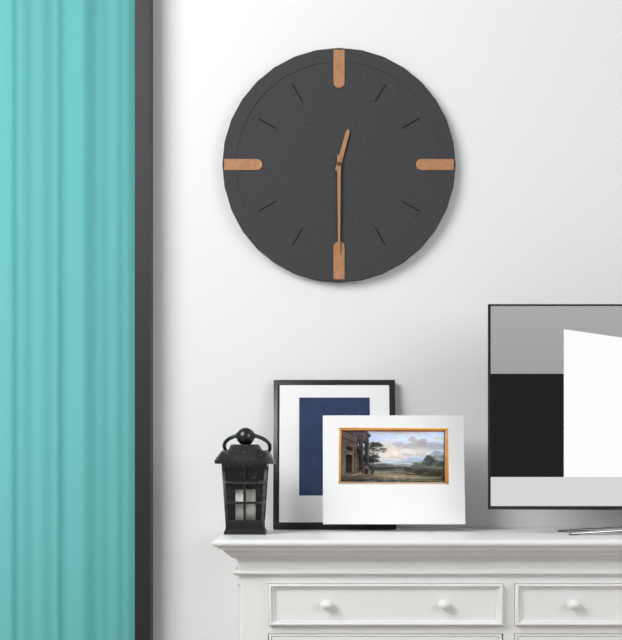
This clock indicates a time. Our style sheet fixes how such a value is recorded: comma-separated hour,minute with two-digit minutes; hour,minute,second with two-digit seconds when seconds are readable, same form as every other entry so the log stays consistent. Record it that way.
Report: 12,30
